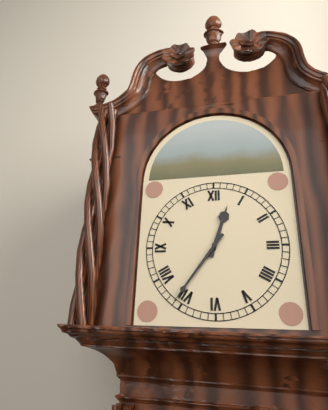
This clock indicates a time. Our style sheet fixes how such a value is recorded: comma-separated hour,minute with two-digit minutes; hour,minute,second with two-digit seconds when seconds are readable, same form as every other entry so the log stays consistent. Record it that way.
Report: 12,36
